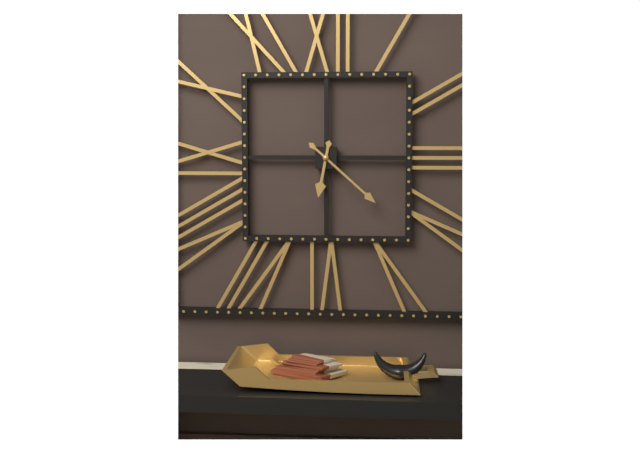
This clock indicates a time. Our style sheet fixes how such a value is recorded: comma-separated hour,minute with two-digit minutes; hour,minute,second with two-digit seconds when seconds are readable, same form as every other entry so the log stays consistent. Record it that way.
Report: 6,22
